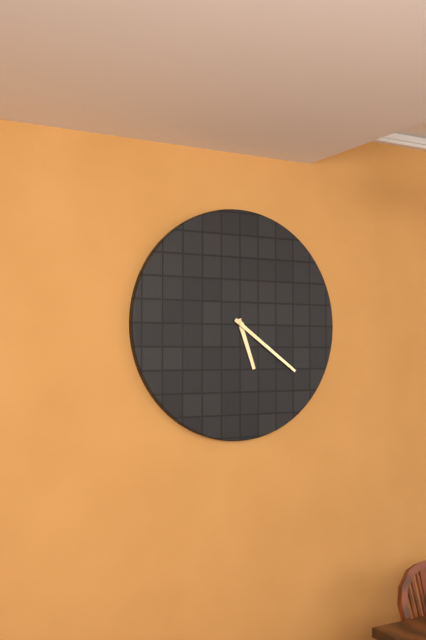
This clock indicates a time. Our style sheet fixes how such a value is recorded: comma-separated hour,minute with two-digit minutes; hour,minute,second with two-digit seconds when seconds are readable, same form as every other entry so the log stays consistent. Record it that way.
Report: 5,21
